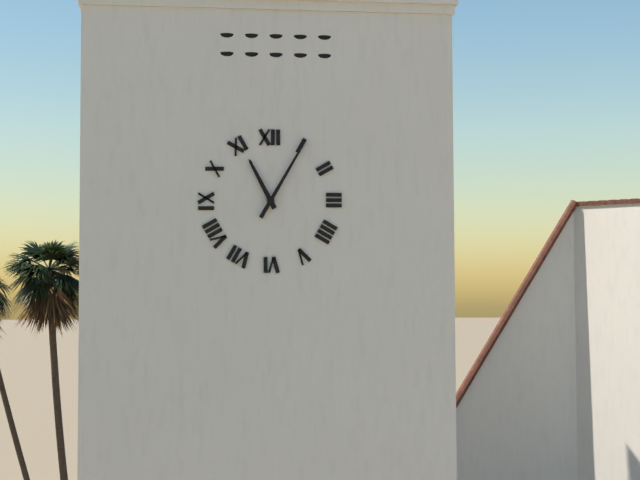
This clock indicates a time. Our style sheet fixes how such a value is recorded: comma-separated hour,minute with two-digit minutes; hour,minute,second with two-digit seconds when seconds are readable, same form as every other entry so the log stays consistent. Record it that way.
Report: 11,05
